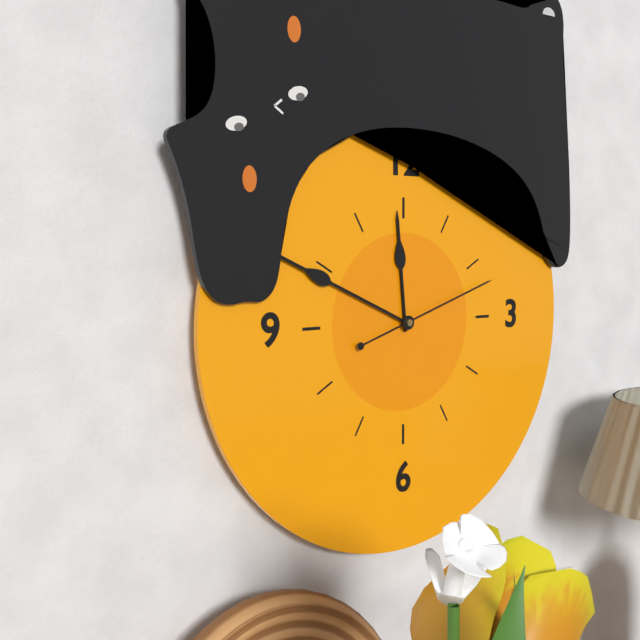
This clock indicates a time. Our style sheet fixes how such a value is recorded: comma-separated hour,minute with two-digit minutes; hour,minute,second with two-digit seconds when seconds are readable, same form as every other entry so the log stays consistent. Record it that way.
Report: 11,49,12
